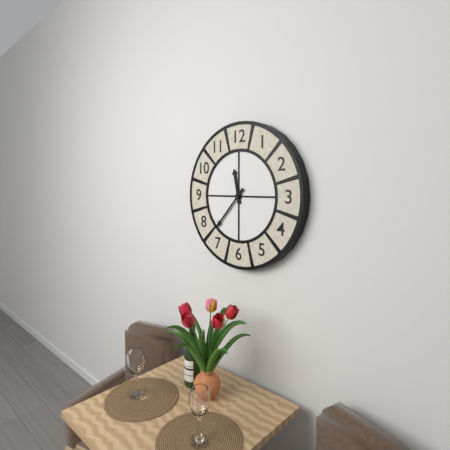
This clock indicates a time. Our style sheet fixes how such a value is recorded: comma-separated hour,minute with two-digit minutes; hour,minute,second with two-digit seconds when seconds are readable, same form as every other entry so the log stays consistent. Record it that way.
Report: 11,37
